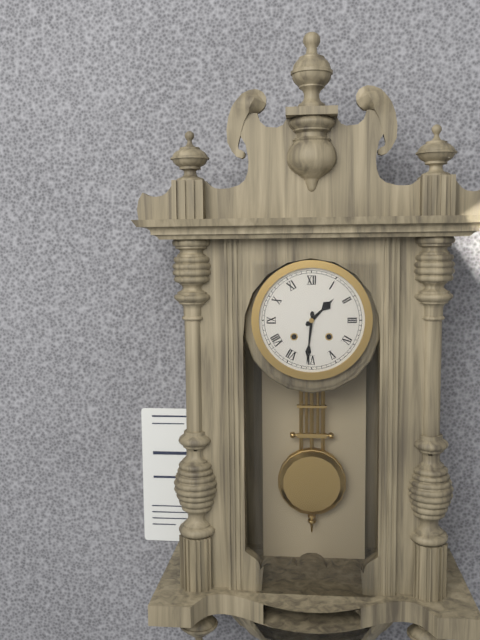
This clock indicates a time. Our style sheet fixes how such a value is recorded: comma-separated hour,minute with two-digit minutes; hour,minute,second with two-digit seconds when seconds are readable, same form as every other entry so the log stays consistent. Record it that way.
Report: 1,31
